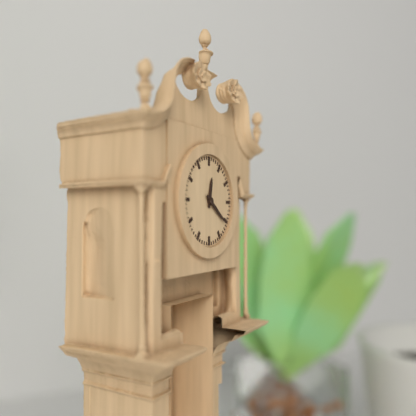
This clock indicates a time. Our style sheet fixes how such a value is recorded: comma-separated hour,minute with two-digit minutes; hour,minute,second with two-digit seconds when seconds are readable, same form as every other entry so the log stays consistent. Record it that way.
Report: 12,21
